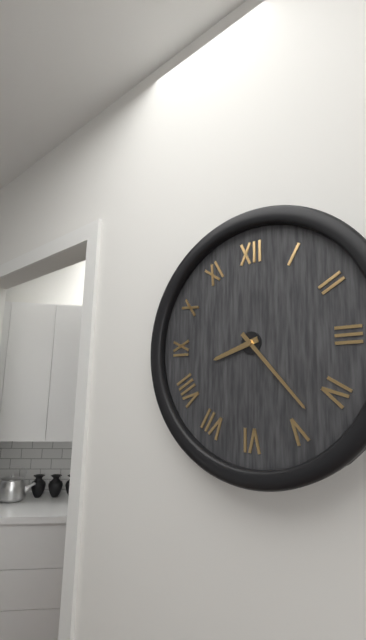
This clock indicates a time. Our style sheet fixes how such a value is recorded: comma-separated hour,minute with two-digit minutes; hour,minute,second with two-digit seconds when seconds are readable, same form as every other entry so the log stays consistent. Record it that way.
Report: 8,23
